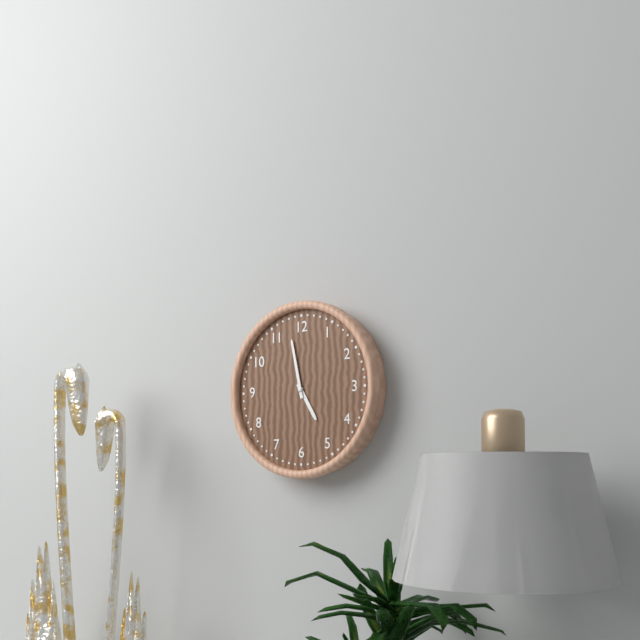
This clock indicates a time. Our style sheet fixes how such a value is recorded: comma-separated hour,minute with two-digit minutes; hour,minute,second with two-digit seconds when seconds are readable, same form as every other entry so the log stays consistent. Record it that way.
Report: 4,58
